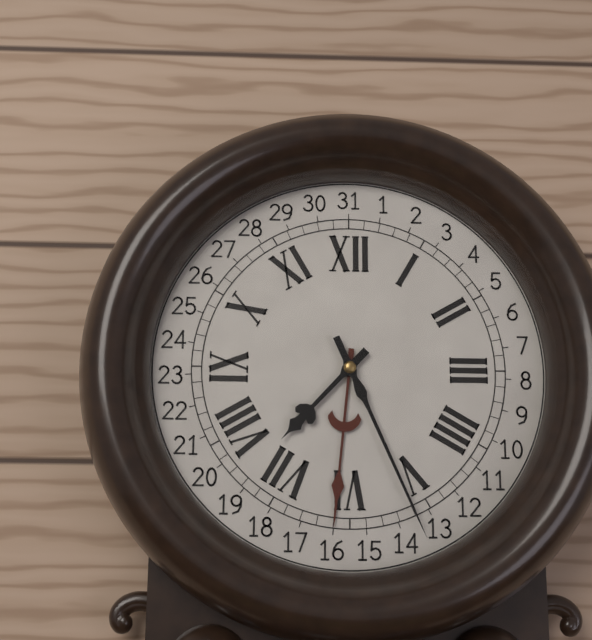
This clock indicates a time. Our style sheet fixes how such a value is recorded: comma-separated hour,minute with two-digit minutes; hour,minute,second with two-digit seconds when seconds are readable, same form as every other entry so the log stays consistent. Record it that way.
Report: 7,26
